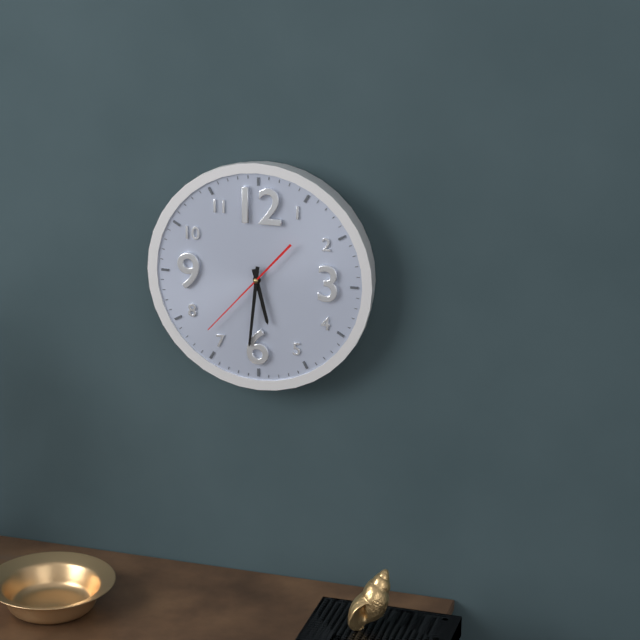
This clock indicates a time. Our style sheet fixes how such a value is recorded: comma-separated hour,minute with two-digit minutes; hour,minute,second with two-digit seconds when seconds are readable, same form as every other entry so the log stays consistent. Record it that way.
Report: 5,31,37
